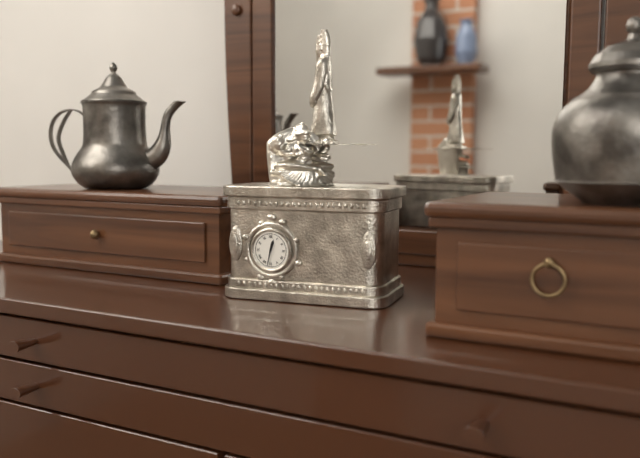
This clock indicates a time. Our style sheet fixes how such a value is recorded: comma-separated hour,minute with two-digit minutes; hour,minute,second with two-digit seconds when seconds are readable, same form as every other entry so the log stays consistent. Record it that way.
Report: 12,32
